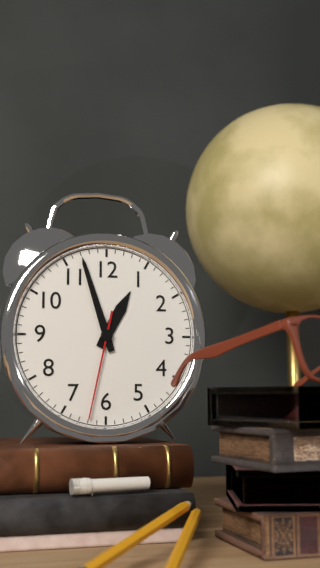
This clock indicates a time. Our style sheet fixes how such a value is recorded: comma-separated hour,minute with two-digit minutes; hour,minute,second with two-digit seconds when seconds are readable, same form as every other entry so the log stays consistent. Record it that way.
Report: 12,57,32
